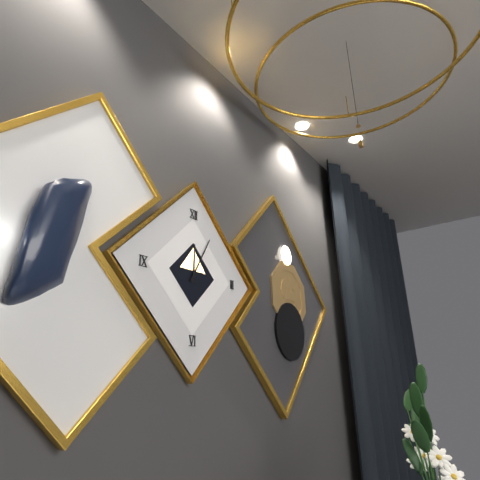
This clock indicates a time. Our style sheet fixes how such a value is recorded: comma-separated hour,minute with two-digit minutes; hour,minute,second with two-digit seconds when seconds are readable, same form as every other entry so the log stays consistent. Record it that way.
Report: 12,05
